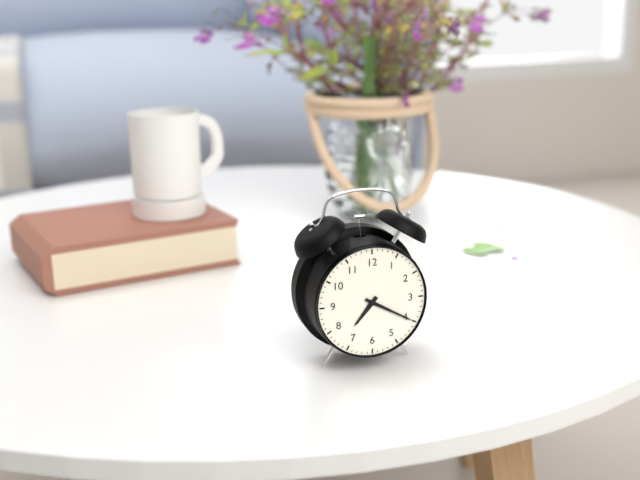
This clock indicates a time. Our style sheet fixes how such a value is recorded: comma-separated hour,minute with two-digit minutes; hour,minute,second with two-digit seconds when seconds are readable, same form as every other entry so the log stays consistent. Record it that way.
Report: 7,20
